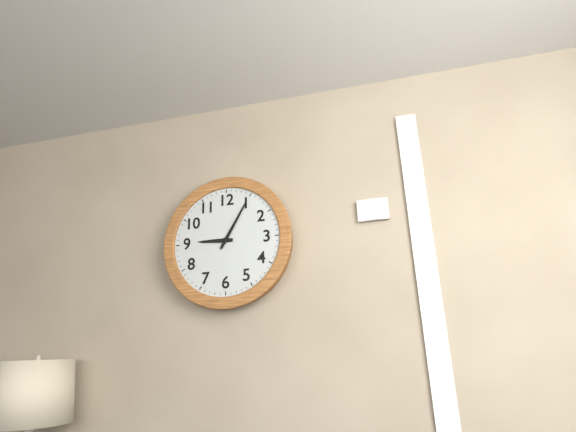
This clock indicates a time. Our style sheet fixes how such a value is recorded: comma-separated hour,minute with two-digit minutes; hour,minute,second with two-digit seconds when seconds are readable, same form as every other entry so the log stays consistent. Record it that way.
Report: 9,05
